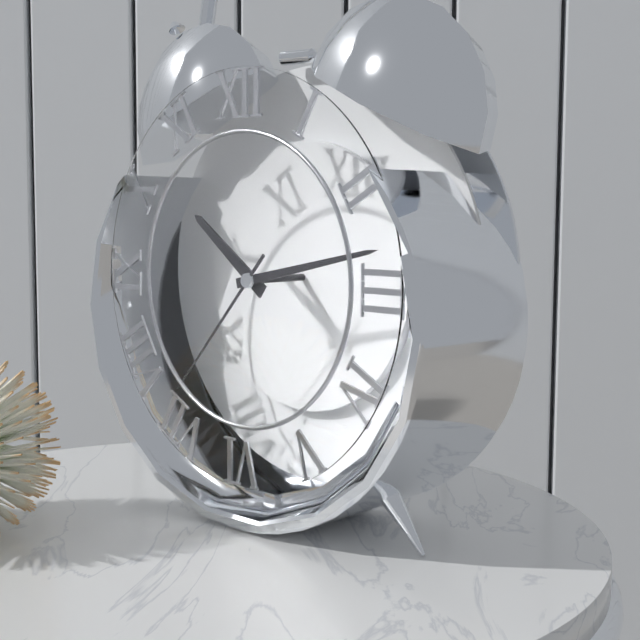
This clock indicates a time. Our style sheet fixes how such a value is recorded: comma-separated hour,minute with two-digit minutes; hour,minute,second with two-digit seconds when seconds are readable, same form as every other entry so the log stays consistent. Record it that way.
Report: 10,13,37
